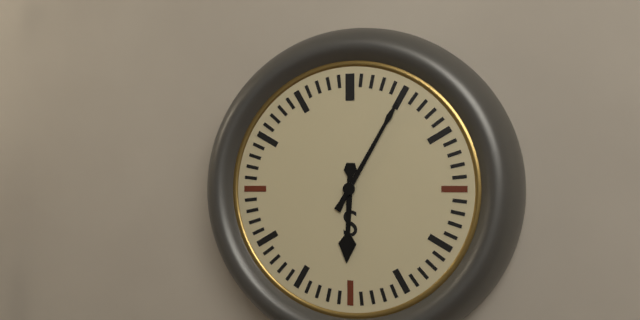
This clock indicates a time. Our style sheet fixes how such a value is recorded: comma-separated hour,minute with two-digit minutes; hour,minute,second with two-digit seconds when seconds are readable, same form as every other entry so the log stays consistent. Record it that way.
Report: 6,05
